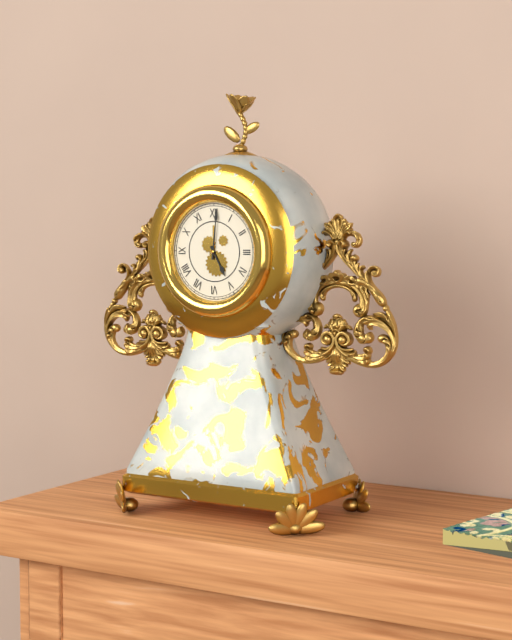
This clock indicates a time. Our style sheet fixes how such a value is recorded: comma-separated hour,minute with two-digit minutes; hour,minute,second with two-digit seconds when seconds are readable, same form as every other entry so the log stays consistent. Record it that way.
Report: 5,01
